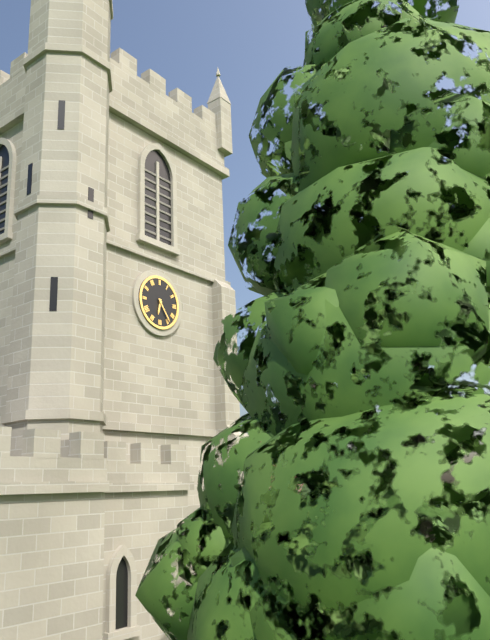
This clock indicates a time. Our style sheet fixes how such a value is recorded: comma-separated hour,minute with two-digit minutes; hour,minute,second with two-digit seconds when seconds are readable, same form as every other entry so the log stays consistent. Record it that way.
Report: 6,24
